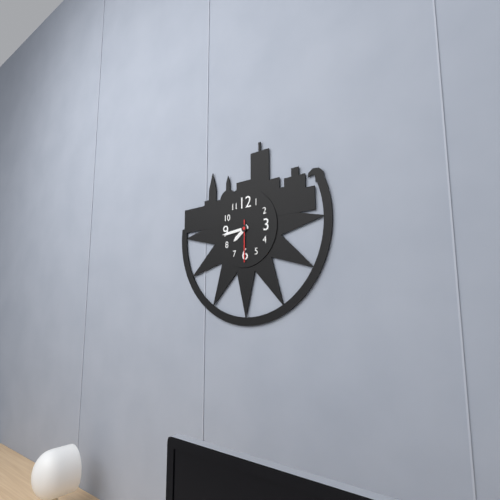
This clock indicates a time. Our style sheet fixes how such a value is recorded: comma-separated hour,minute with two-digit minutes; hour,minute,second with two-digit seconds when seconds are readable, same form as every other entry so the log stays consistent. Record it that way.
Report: 7,44
